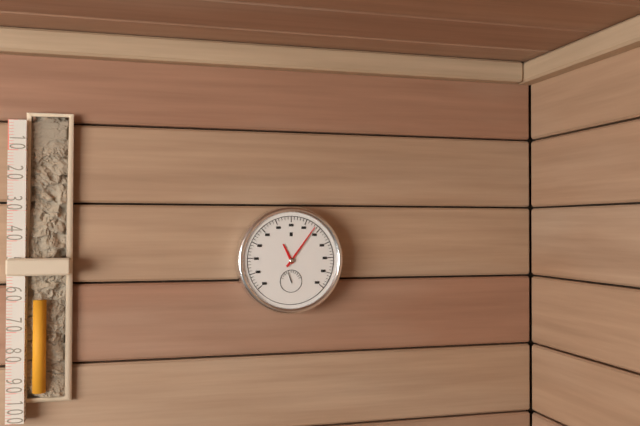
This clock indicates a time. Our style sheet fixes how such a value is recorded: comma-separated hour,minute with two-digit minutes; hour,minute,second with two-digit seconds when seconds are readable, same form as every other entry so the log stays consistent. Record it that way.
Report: 11,06
